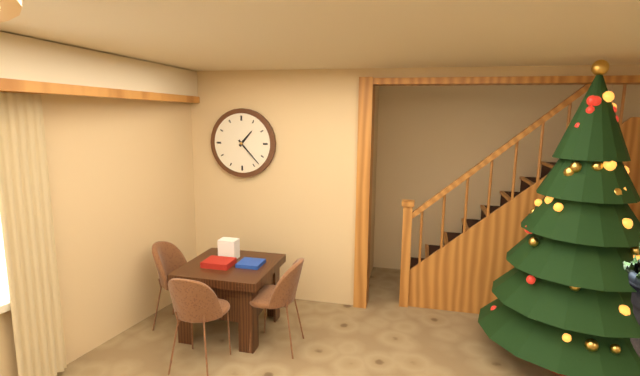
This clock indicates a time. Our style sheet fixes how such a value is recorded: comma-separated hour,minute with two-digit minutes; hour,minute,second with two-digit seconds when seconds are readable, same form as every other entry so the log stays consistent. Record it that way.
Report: 1,23
